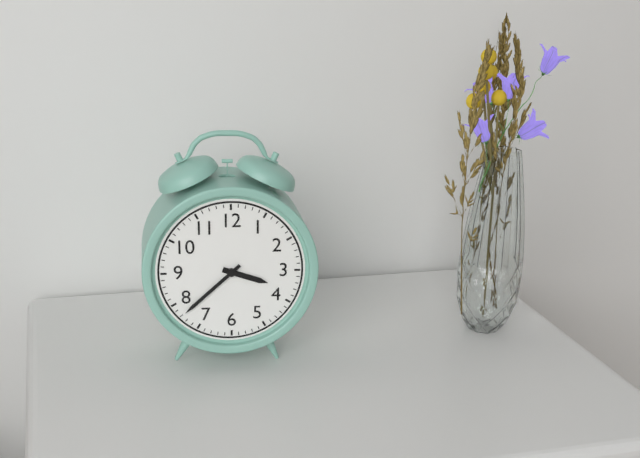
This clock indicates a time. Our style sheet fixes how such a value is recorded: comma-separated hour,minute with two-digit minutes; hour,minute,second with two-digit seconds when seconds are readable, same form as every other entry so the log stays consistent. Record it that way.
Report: 3,38
